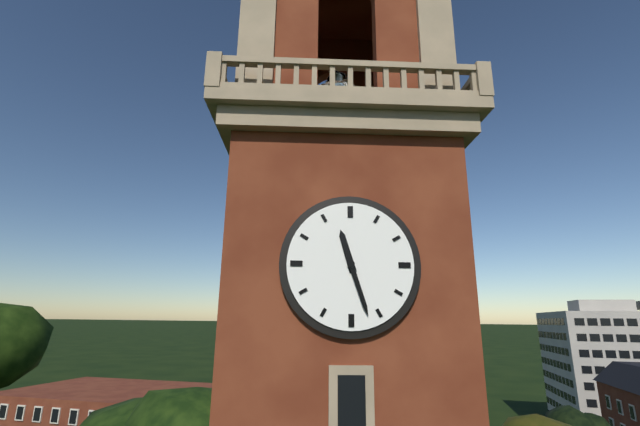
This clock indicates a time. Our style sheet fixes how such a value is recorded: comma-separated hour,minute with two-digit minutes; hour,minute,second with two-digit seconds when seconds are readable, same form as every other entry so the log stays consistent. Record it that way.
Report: 11,27
